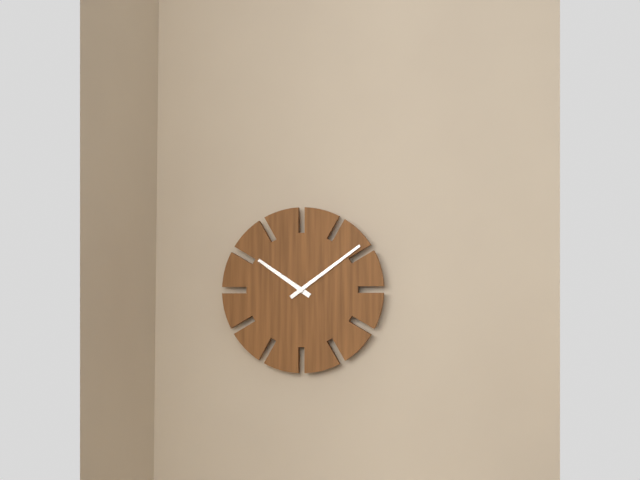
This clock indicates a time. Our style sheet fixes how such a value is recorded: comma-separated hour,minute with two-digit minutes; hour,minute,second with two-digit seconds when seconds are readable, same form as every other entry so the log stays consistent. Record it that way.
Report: 10,09
